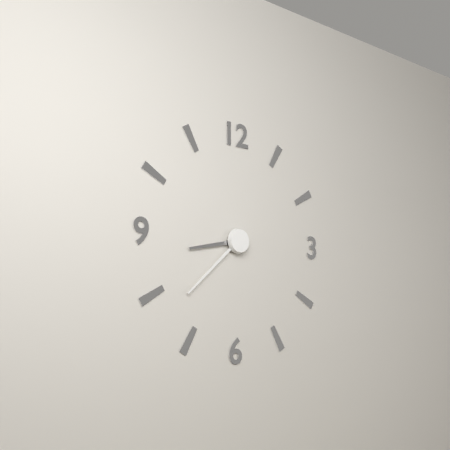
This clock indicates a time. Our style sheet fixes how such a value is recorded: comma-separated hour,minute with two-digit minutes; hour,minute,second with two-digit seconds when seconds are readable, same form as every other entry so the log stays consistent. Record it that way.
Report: 8,38
